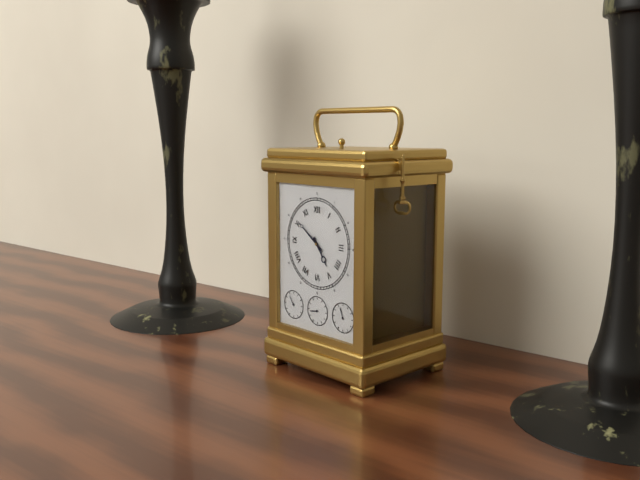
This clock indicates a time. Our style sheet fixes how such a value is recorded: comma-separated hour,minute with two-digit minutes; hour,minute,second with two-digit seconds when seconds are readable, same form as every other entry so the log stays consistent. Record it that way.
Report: 4,51
